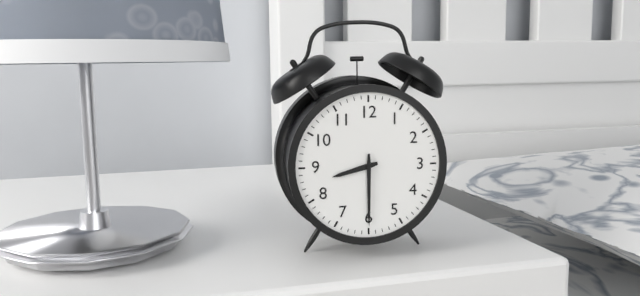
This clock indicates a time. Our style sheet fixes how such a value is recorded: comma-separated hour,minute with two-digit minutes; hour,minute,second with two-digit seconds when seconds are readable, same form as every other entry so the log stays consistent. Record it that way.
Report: 8,30
